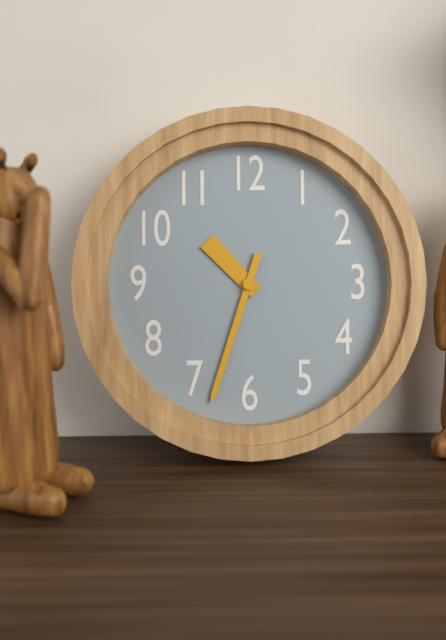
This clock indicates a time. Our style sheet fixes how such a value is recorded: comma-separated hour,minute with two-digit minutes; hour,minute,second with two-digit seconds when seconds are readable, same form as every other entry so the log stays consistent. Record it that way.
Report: 10,33
